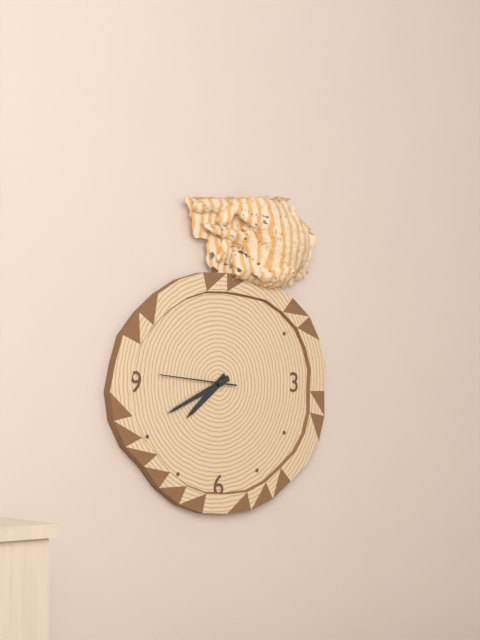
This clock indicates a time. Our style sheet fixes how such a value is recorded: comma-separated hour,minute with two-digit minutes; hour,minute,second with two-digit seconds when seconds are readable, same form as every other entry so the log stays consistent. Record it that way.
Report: 7,41,46
